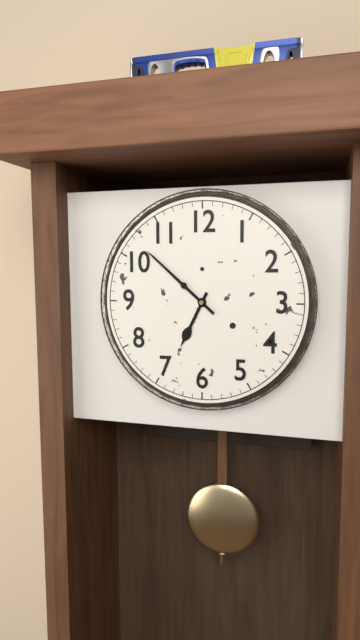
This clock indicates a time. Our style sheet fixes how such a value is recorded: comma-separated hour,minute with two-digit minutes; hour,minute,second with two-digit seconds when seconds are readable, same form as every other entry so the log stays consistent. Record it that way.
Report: 6,52
